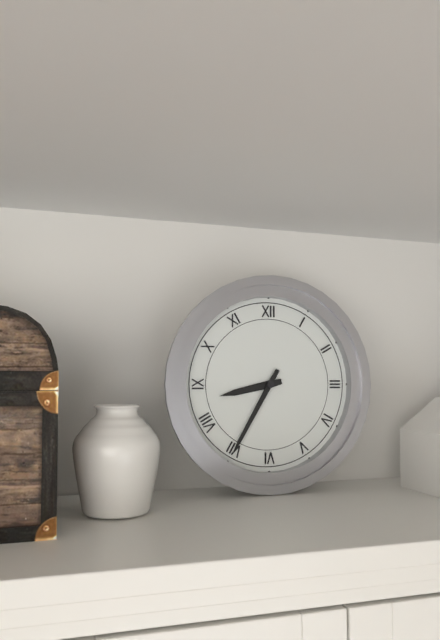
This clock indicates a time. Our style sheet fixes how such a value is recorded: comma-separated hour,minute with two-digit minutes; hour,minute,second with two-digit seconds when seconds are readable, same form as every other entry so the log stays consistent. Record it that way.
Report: 8,35
